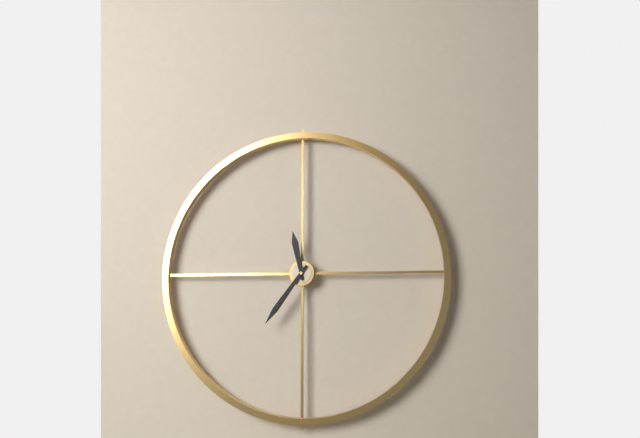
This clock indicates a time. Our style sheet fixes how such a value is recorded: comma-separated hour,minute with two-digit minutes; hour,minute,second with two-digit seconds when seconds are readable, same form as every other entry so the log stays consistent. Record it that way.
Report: 11,36
